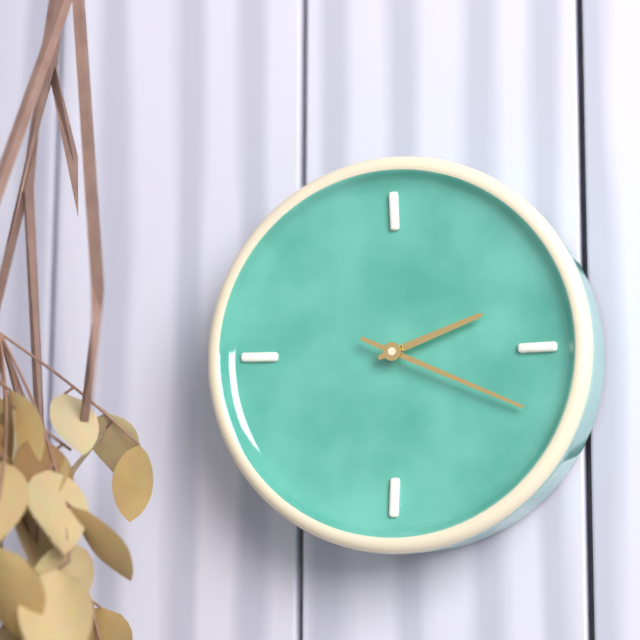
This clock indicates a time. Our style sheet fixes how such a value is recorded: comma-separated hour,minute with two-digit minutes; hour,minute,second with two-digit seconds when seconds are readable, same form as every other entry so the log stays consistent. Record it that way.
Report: 2,19
